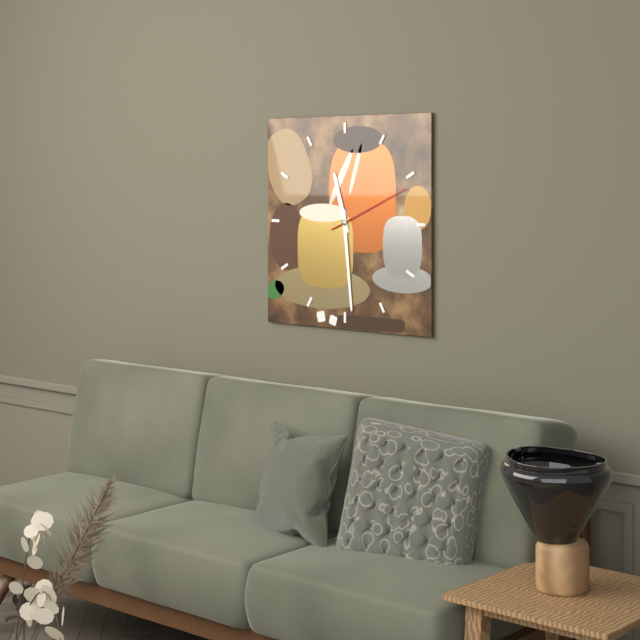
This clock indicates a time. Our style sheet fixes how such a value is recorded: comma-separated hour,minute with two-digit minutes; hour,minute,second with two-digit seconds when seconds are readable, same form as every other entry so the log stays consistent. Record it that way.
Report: 11,29,11
